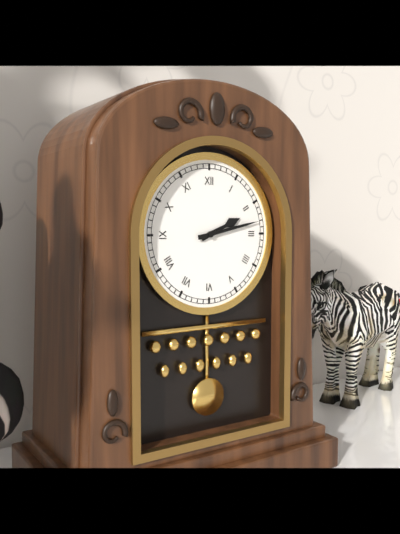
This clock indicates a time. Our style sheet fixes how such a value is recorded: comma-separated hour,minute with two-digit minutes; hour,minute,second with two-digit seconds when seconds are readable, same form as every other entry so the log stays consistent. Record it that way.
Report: 2,13
